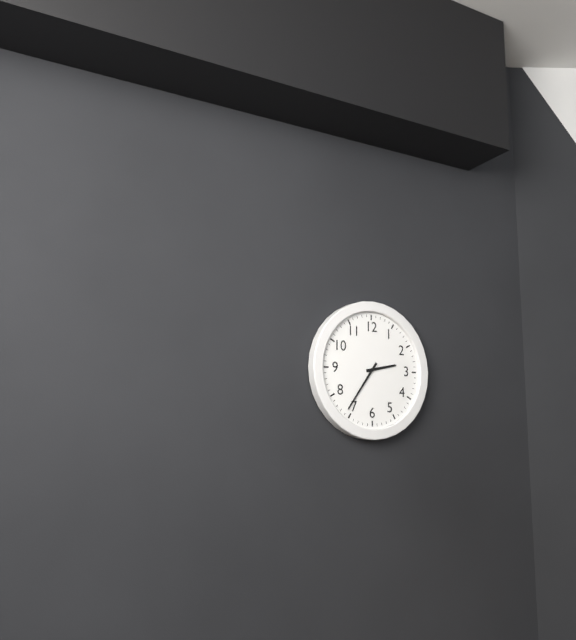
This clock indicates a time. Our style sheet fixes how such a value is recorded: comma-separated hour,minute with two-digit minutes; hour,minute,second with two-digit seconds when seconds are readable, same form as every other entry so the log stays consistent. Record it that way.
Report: 2,36
